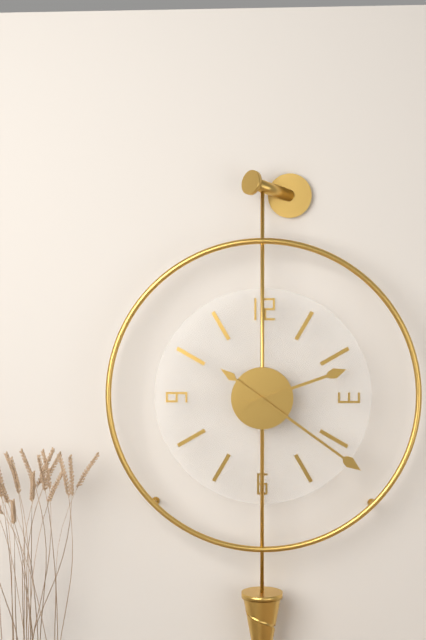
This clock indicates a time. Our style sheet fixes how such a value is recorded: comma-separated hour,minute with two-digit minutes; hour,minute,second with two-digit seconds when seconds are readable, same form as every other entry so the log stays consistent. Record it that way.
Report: 2,21
